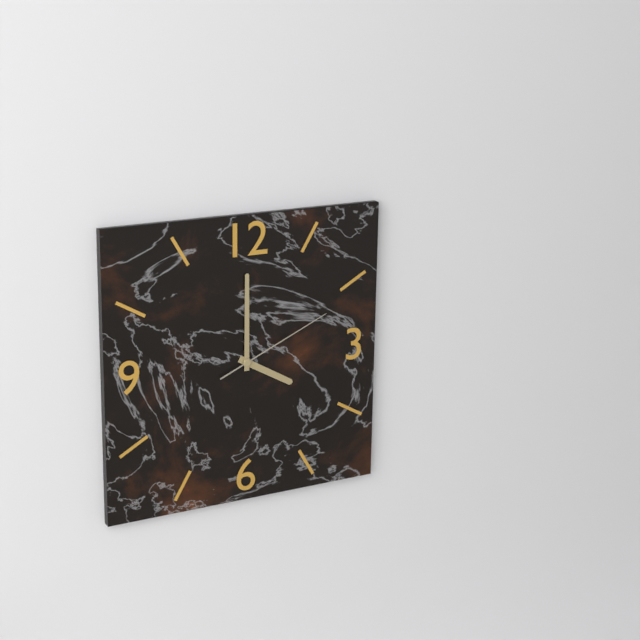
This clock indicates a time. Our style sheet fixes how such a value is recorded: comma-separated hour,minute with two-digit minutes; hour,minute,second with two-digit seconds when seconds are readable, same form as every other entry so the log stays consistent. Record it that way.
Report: 4,00,11
